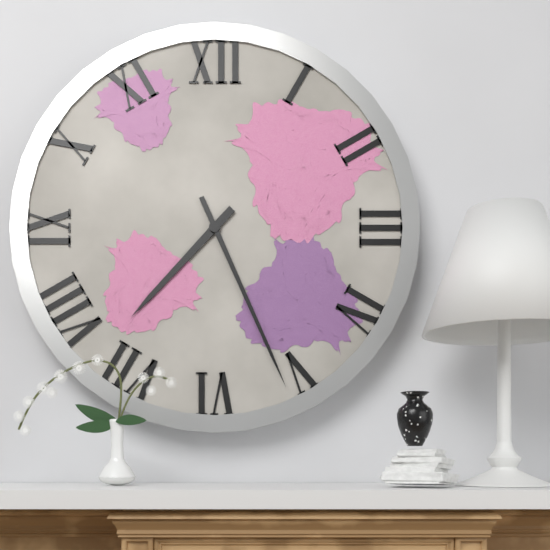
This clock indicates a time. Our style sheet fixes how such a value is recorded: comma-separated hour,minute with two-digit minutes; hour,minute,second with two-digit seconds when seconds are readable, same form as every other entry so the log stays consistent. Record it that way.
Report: 7,26
